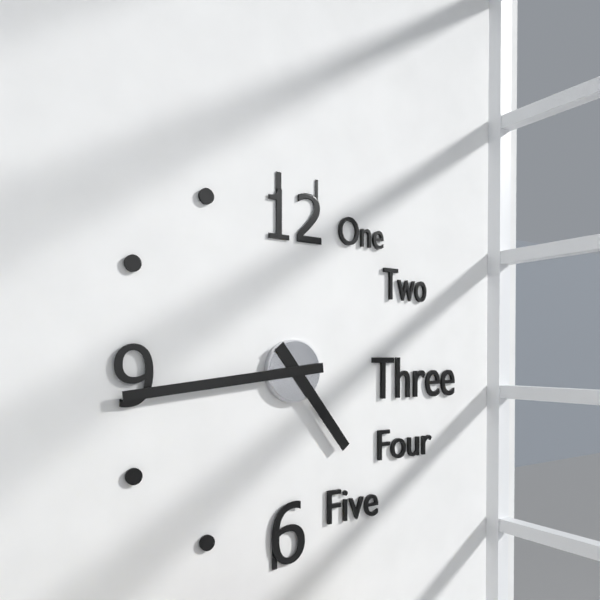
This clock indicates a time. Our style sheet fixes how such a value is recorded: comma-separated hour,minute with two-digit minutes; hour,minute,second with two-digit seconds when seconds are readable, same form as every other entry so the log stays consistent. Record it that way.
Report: 4,44
